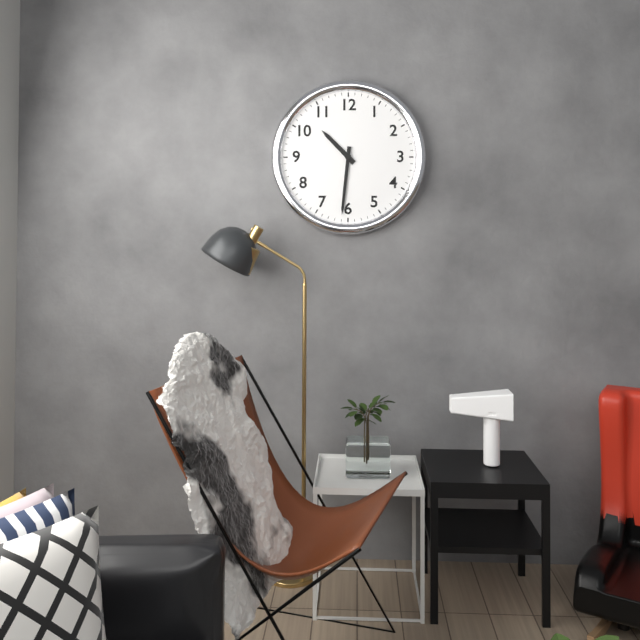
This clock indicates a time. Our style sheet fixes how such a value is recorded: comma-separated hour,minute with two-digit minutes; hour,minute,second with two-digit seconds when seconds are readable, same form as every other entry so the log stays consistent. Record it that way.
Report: 10,31
